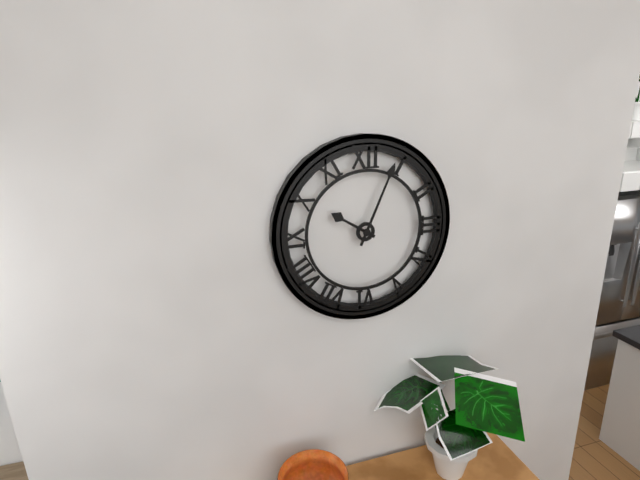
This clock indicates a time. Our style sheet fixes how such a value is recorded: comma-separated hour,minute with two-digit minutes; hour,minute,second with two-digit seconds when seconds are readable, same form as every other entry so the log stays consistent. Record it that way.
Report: 10,04
